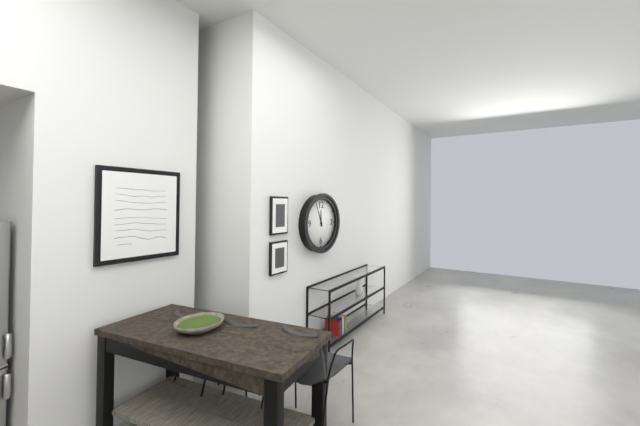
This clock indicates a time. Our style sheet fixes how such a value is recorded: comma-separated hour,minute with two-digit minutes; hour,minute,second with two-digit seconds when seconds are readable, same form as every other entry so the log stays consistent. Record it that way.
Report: 11,56
